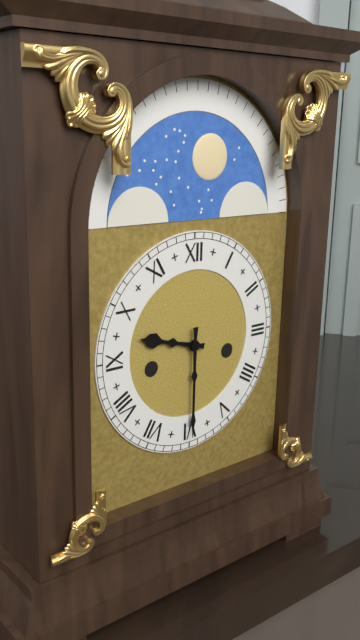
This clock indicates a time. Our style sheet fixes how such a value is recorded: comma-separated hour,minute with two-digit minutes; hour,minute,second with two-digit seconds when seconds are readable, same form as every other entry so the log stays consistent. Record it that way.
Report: 9,30
